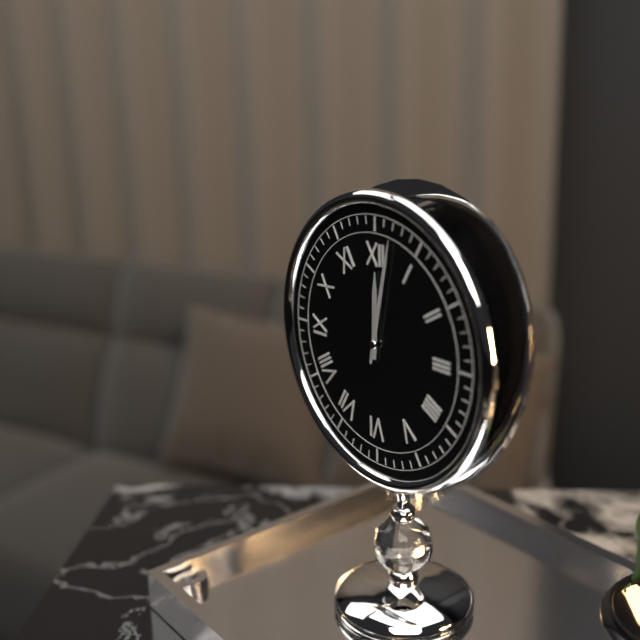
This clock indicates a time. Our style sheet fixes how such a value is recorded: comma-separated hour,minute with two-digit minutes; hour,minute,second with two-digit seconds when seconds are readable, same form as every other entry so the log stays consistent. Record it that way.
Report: 12,02
